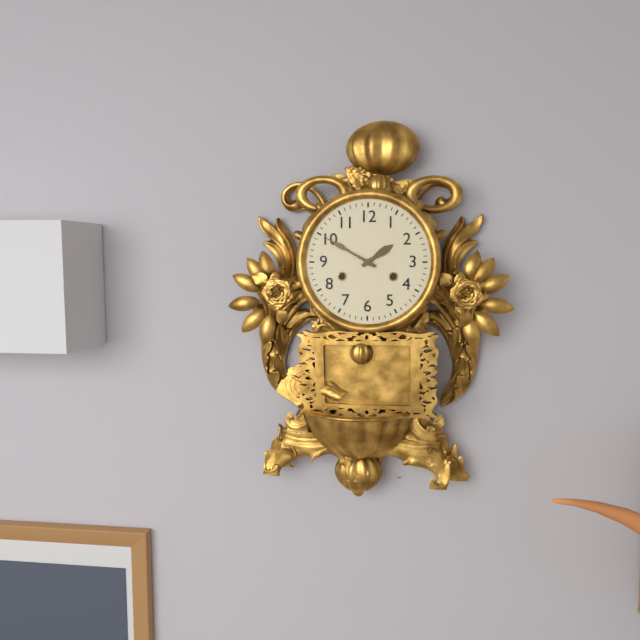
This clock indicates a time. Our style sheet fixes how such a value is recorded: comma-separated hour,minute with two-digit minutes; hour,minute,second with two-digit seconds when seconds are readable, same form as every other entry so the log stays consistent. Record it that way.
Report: 1,50
